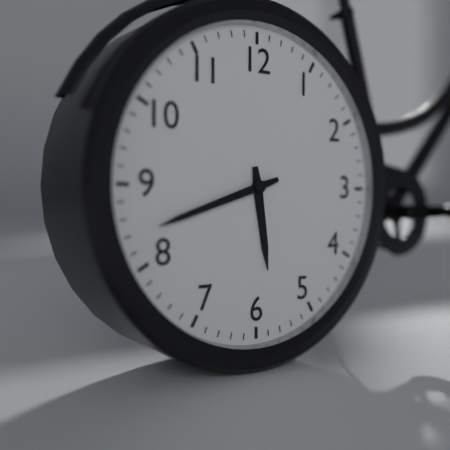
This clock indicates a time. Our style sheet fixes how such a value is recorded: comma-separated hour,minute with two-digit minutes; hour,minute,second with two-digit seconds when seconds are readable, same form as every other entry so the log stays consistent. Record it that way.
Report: 5,42
